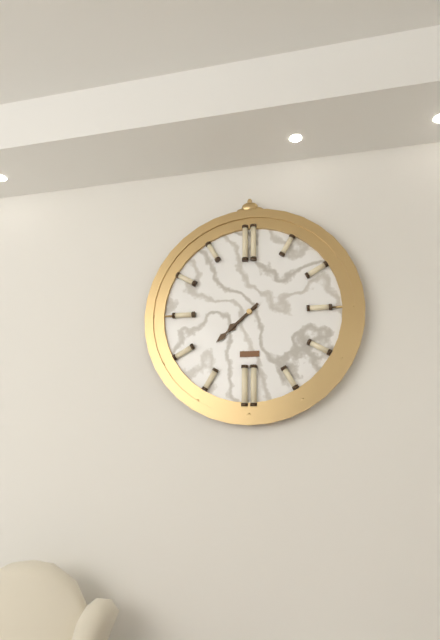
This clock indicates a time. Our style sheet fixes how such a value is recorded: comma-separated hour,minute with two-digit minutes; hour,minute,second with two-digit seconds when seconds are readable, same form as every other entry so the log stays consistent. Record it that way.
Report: 7,38
